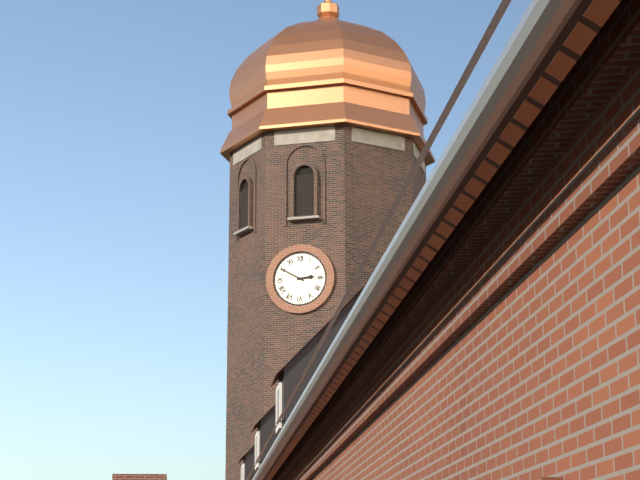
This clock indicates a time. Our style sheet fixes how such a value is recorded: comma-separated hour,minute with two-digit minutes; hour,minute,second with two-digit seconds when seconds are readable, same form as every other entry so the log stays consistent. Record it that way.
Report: 2,50
